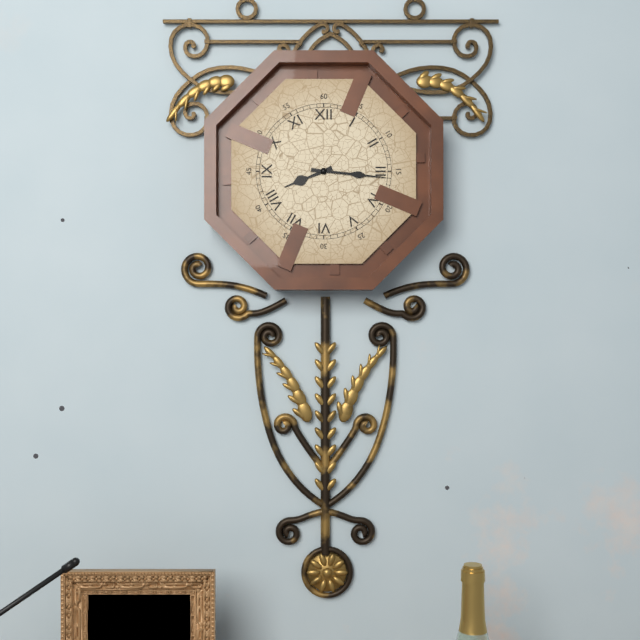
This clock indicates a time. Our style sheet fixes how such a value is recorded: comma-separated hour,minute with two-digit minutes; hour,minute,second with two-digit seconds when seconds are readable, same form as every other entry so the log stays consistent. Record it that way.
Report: 8,16
